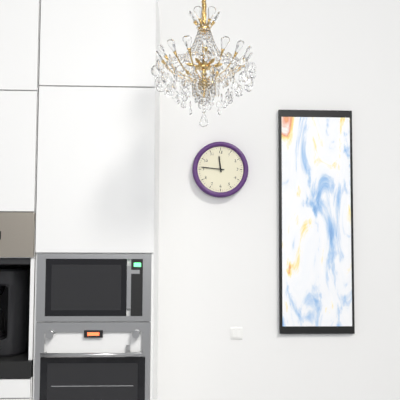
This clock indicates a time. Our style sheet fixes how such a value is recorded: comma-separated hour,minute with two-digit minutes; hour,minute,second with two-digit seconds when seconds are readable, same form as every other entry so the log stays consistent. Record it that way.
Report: 11,46
